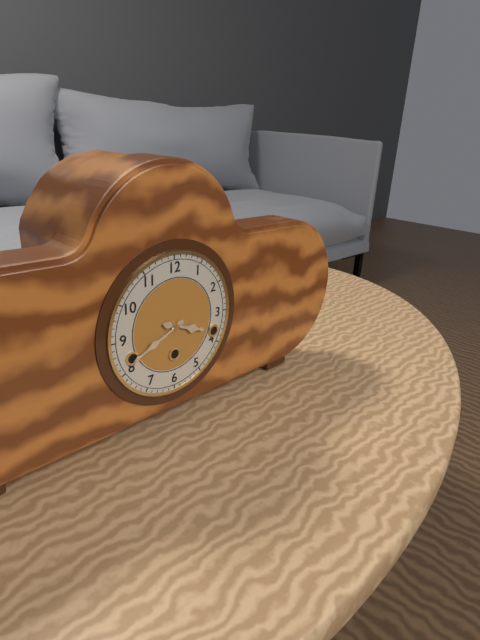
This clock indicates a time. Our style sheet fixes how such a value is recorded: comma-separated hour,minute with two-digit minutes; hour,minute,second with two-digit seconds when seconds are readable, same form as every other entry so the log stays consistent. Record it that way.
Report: 3,41
